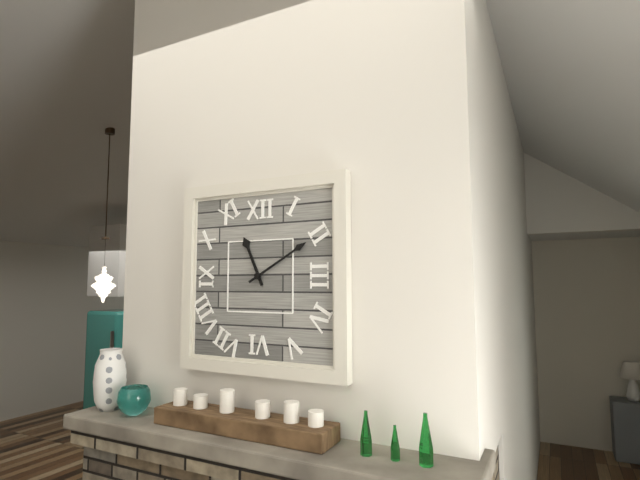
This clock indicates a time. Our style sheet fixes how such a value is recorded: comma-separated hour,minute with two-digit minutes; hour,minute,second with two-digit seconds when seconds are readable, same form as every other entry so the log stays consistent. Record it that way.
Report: 11,10
